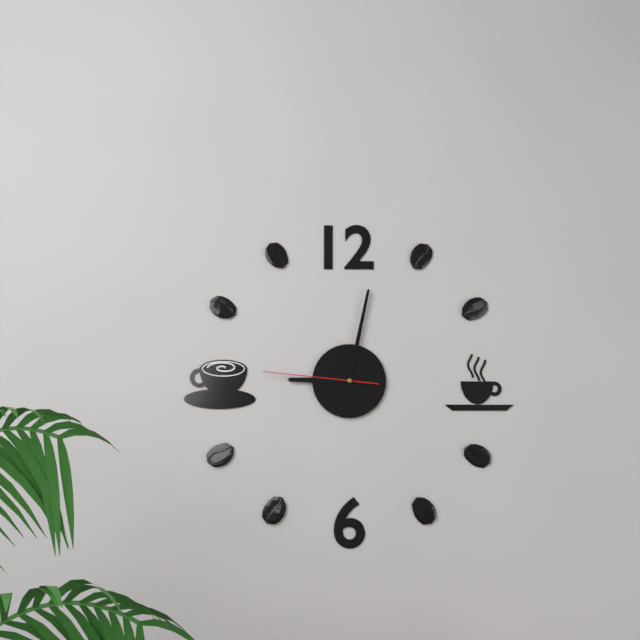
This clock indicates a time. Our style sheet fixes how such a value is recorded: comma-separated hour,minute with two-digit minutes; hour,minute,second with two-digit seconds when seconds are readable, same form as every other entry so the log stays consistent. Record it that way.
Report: 9,02,46
